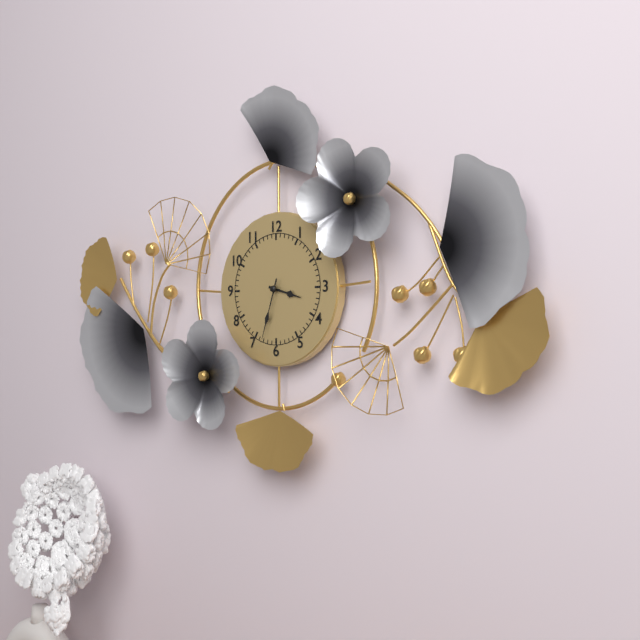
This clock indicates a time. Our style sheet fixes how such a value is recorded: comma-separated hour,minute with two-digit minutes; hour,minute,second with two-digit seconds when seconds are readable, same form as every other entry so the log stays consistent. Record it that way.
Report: 3,33
